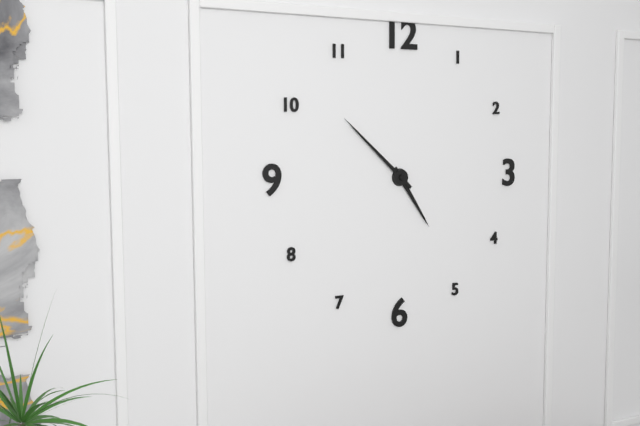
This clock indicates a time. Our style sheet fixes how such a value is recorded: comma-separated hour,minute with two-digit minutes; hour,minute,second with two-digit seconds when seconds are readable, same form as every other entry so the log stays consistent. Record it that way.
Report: 4,52
